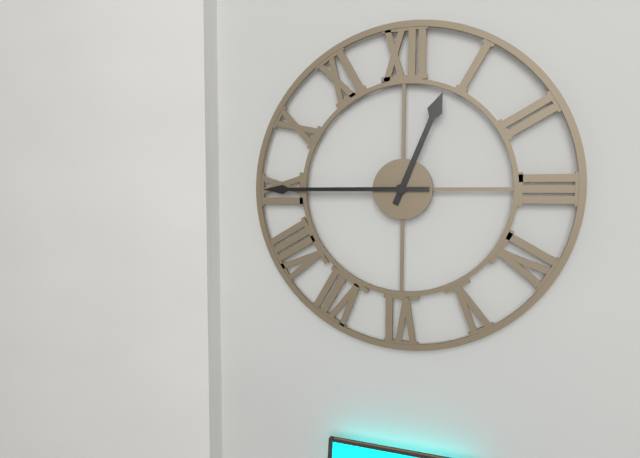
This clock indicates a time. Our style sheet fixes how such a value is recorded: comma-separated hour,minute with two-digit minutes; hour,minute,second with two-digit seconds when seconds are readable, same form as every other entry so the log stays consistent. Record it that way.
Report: 12,45
